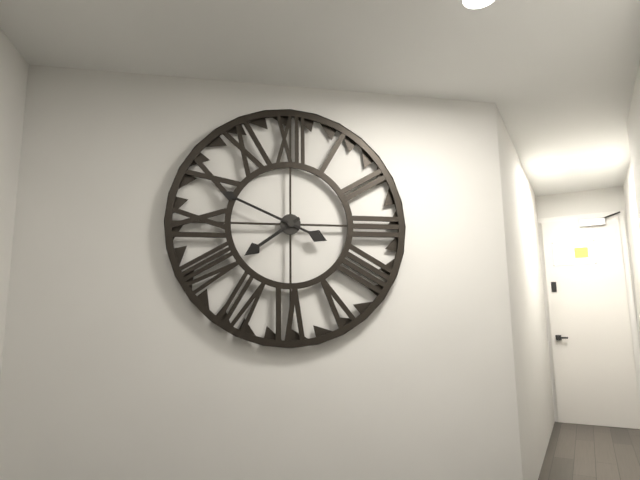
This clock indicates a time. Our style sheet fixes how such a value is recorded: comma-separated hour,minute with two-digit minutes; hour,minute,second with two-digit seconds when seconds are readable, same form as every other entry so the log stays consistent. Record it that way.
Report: 7,49
